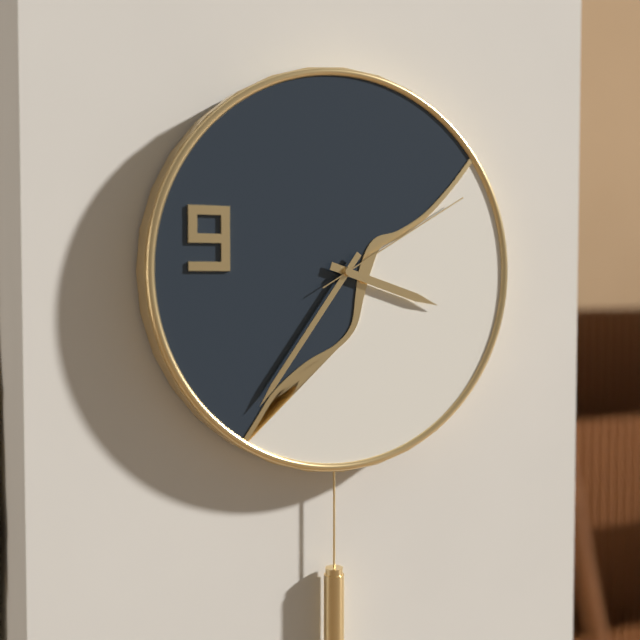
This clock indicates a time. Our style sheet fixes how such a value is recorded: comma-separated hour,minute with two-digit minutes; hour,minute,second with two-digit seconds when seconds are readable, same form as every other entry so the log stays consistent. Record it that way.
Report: 3,36,10
